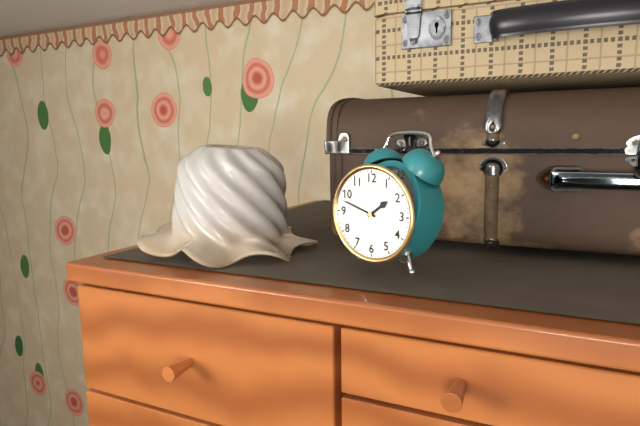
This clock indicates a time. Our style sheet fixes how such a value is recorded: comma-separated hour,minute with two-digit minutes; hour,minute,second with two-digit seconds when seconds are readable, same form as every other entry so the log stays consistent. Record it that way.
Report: 1,48
